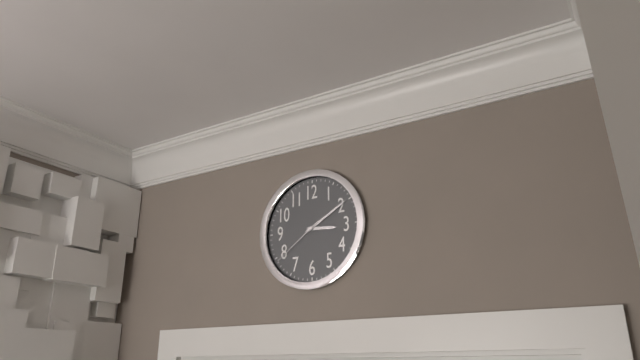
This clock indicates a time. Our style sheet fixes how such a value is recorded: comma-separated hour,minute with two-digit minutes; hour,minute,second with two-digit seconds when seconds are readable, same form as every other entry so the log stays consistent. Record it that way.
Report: 3,10,39
